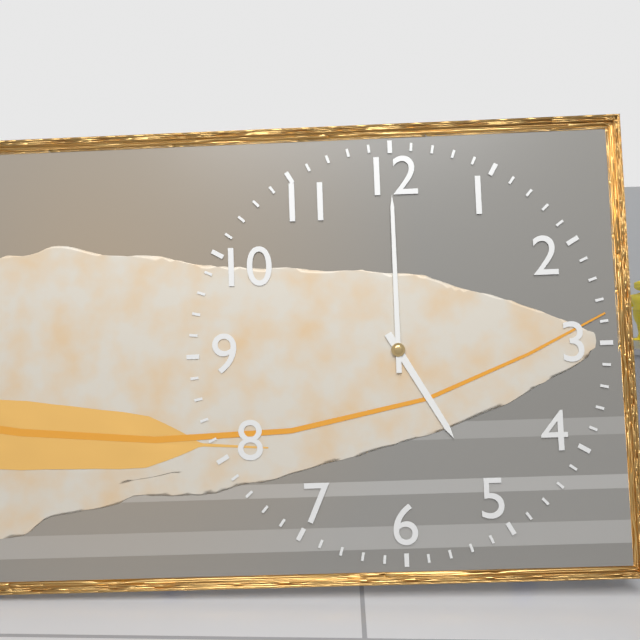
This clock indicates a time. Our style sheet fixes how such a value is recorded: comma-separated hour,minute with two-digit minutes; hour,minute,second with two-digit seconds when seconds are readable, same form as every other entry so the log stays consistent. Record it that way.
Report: 5,00
